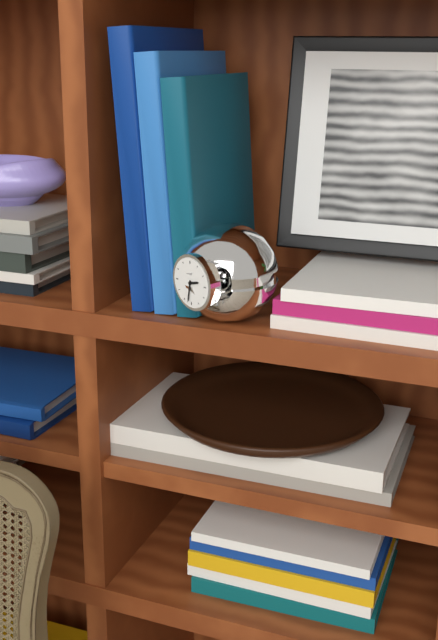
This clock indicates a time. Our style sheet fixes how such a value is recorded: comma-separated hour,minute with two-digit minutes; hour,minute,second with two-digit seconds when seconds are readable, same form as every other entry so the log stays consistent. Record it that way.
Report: 2,32
